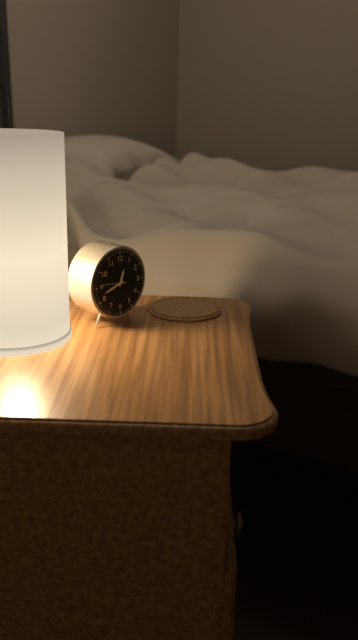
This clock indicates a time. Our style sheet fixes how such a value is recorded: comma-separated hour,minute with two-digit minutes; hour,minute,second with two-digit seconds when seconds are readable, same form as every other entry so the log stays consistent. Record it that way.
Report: 12,42
